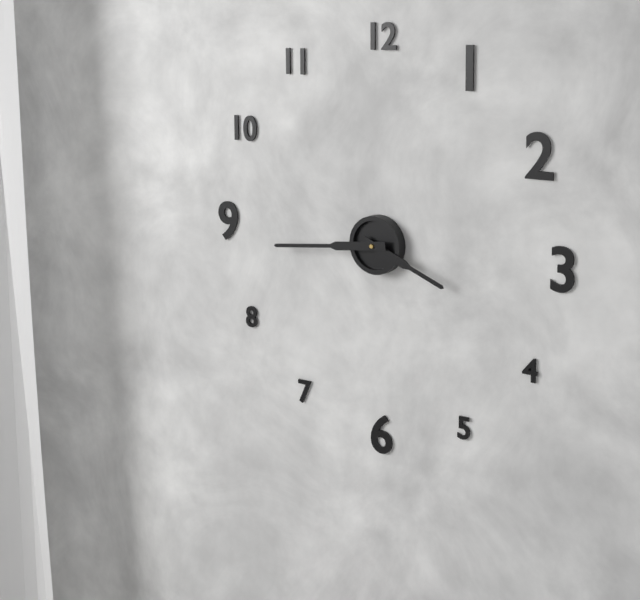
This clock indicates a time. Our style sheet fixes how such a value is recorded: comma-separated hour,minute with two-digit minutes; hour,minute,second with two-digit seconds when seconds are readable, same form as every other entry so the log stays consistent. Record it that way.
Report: 3,44
